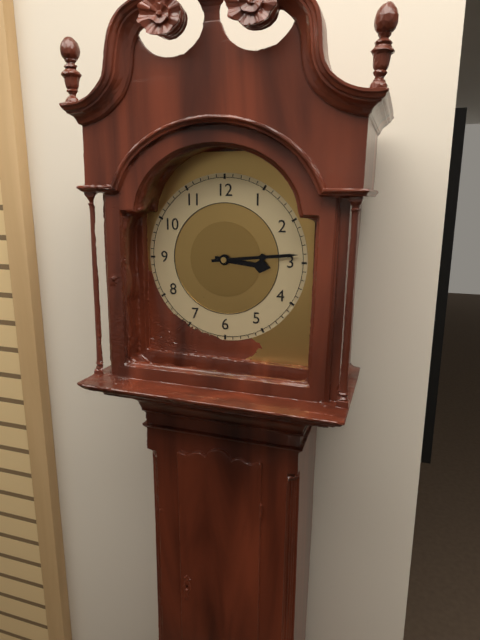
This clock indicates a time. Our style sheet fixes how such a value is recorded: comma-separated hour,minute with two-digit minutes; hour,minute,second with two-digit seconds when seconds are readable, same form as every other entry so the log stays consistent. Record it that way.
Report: 3,14
